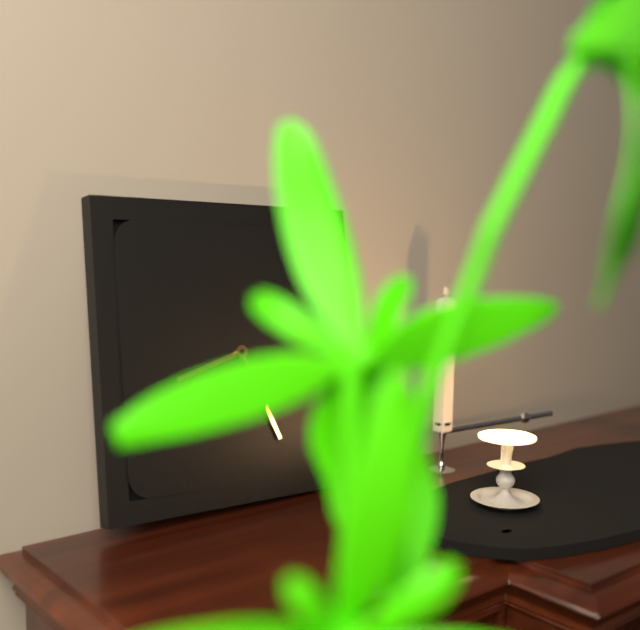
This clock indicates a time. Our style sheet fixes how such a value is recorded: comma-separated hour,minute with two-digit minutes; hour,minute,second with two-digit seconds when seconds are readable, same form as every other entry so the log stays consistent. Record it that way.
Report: 8,26
